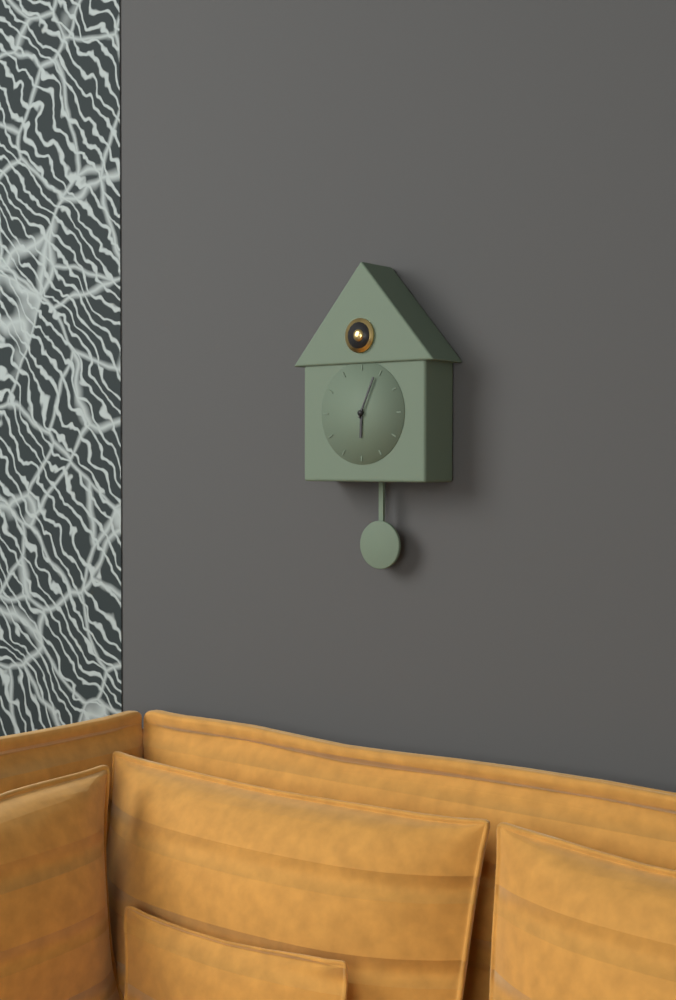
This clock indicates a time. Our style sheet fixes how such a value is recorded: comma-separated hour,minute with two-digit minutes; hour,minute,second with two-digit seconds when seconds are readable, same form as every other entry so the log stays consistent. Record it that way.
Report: 6,04
